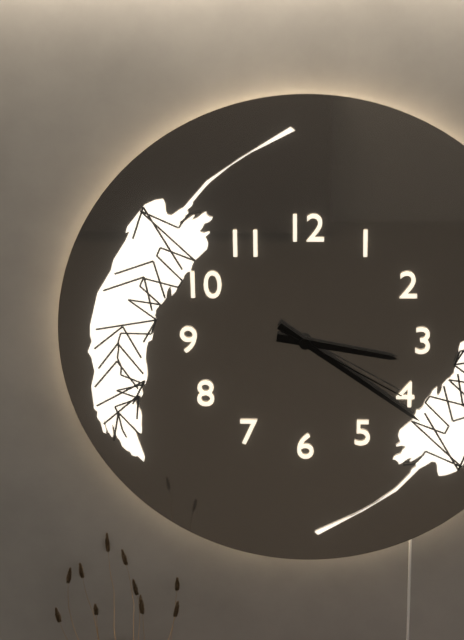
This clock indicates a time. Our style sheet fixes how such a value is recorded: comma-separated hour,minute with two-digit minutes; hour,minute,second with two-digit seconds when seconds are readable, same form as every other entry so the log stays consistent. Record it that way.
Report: 3,21,20
